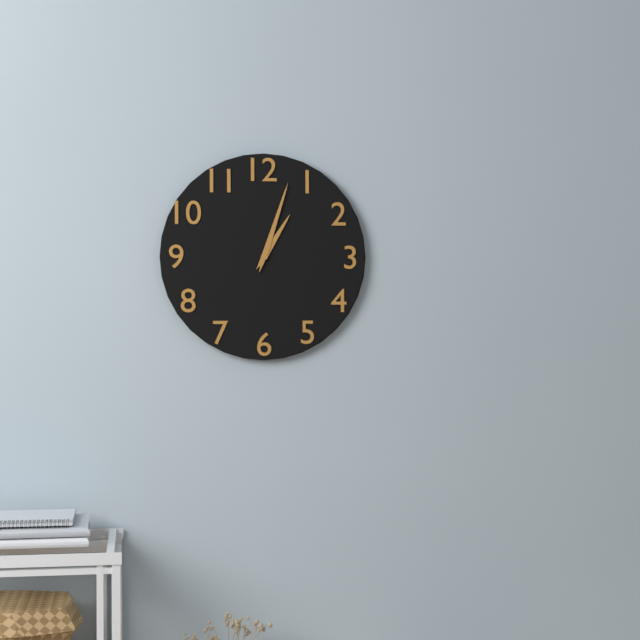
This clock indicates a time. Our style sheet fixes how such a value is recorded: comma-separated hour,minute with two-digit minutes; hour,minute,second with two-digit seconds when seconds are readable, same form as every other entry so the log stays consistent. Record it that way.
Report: 1,03
